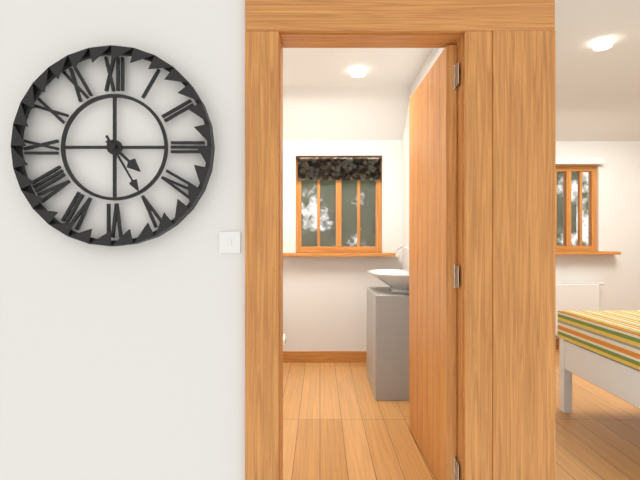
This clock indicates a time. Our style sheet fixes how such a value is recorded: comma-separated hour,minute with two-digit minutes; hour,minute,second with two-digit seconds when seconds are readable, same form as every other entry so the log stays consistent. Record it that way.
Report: 4,25
